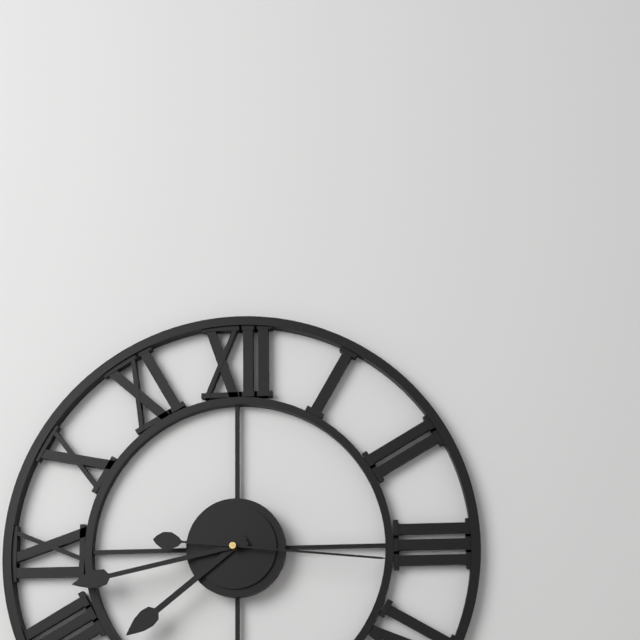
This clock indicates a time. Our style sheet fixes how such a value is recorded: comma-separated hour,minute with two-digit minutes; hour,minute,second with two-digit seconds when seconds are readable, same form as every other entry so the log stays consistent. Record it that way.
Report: 7,43,16
